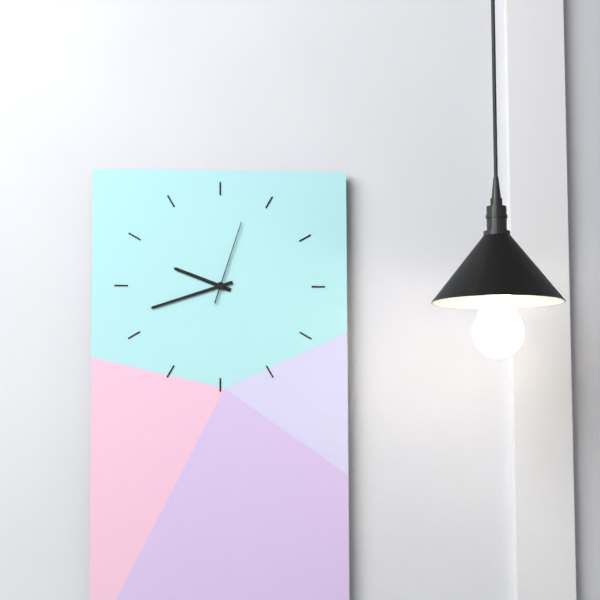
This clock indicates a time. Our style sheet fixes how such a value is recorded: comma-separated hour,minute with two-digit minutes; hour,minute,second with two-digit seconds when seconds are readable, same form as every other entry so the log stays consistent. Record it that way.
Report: 9,42,03
